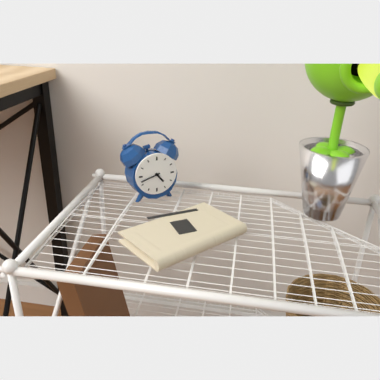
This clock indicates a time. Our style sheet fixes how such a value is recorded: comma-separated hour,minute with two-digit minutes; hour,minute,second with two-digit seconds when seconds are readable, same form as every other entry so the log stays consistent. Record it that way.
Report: 4,42
